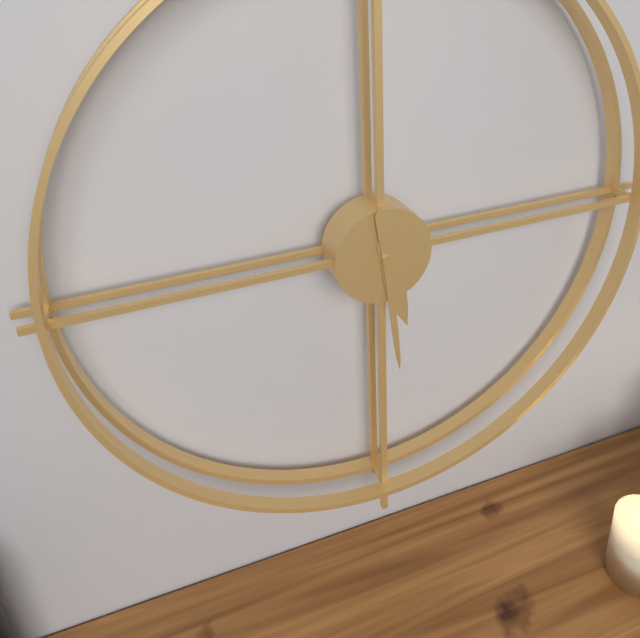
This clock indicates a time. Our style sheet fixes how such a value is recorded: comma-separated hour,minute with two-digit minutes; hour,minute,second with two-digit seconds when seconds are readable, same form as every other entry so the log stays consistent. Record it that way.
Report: 5,29
